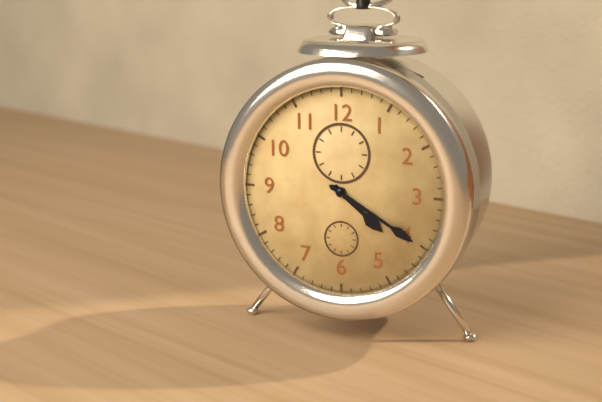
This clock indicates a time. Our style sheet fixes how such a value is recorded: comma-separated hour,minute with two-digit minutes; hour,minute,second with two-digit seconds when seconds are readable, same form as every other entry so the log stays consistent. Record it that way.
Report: 4,20
